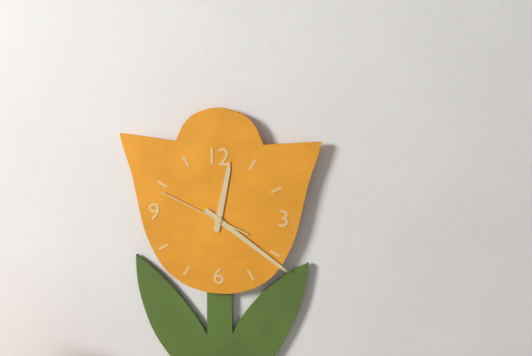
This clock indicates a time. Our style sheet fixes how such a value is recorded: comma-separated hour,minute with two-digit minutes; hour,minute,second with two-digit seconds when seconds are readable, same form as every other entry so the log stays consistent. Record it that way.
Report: 12,21,49
